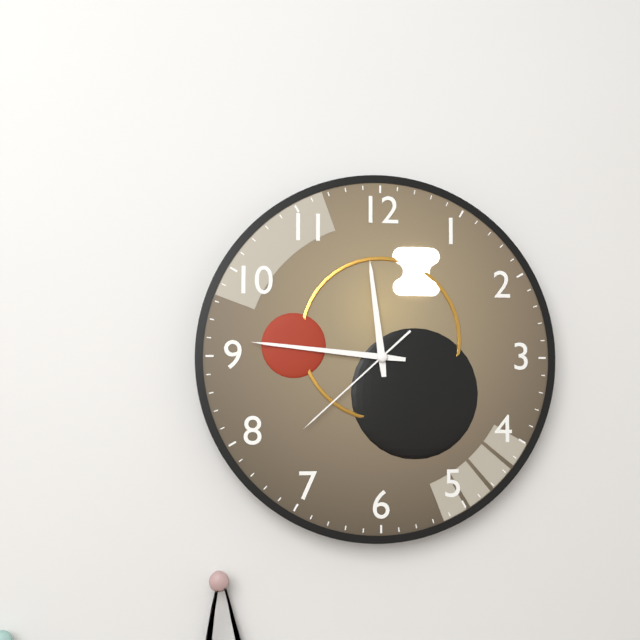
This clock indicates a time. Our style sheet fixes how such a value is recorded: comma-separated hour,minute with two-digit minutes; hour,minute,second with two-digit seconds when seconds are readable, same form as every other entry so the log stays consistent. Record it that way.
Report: 11,46,38
